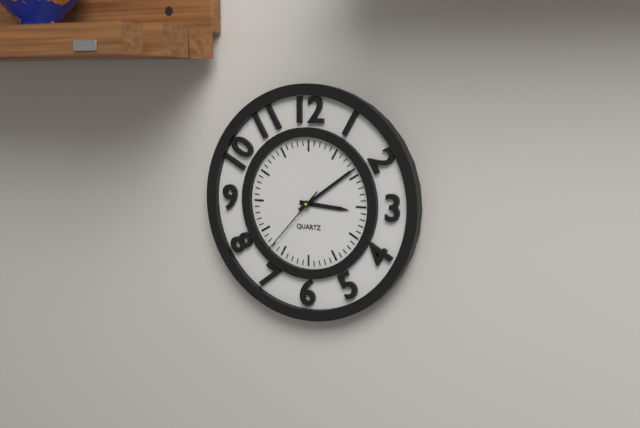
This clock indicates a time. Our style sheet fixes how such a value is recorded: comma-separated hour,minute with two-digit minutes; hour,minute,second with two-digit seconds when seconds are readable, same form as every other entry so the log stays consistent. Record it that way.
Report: 3,09,37
